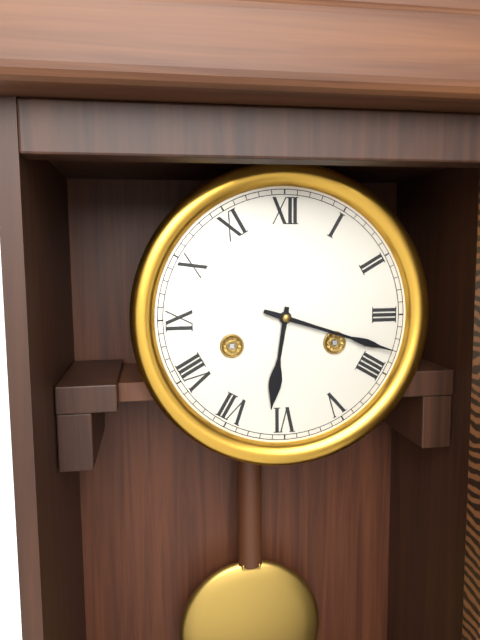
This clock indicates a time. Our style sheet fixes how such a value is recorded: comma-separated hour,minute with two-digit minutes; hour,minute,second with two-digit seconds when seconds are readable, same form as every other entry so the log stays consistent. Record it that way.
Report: 6,18
